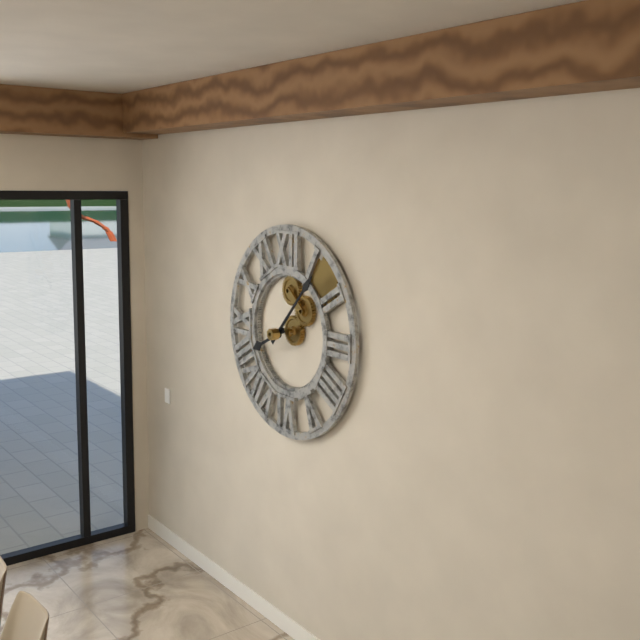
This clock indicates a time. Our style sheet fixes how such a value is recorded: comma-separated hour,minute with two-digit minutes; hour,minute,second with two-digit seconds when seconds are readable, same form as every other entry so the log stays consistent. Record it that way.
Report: 8,07
